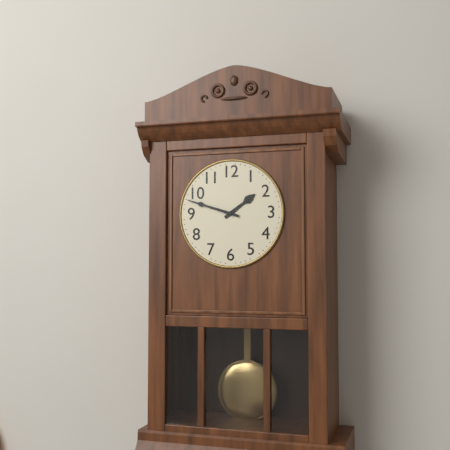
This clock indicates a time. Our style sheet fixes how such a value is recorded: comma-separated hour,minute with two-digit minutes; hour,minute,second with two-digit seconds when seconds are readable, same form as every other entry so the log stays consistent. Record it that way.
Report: 1,48
